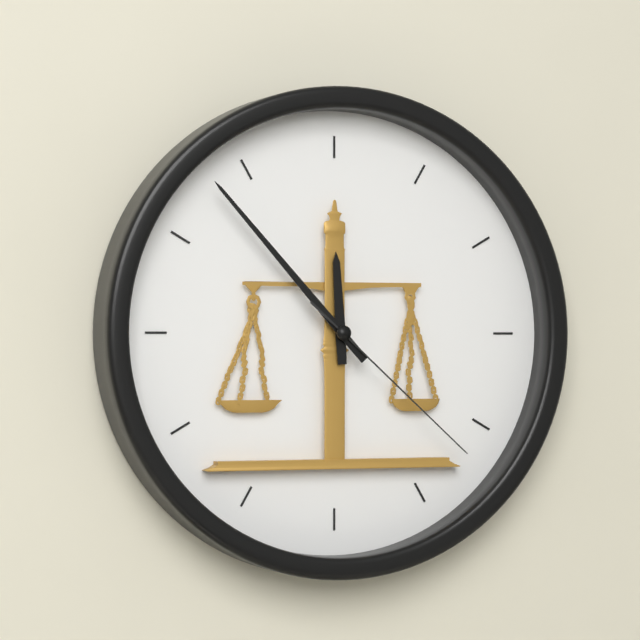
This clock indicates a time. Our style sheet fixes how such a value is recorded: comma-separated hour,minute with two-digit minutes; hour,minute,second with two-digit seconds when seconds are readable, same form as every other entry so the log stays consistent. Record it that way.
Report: 11,53,22
